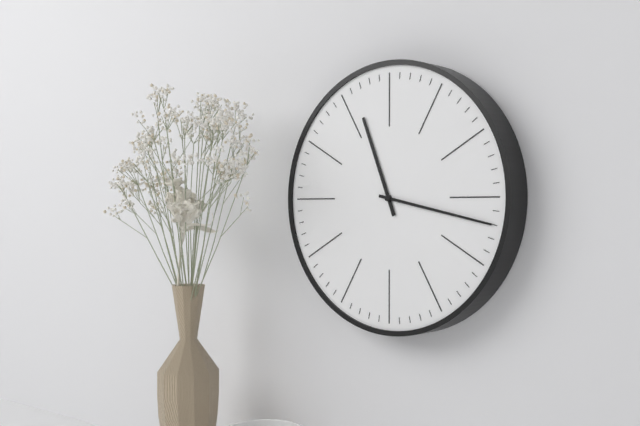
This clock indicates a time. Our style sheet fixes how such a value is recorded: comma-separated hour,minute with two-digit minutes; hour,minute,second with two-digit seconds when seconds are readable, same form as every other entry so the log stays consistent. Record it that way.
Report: 11,17
